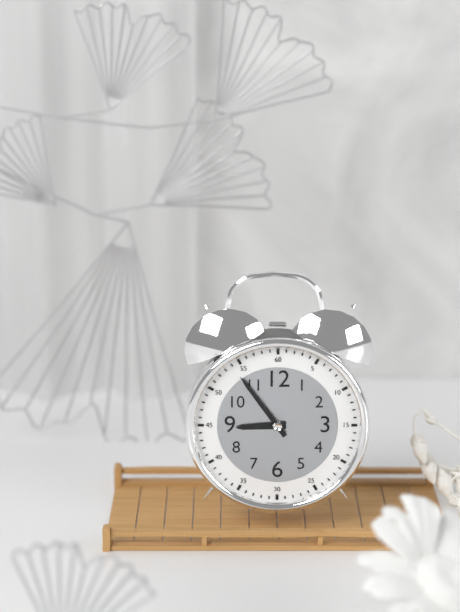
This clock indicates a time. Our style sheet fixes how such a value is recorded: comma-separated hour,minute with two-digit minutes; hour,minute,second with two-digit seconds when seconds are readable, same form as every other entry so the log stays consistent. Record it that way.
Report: 8,54
